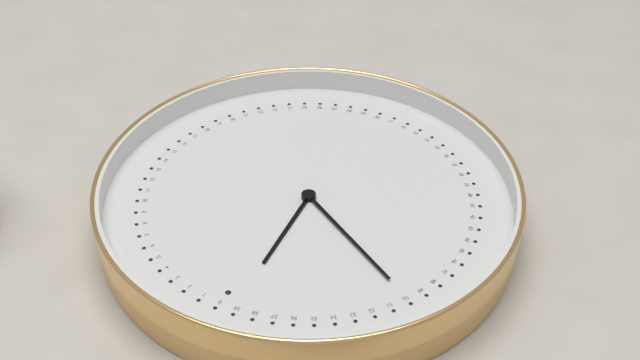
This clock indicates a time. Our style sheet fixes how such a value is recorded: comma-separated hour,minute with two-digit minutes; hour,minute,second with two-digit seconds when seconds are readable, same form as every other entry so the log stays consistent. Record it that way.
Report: 11,50
